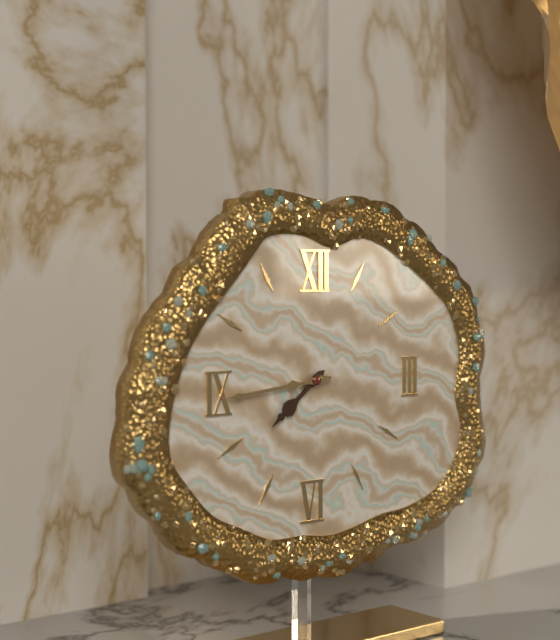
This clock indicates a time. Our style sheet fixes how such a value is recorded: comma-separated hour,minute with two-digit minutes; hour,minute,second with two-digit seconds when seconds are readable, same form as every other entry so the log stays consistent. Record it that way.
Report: 7,44
